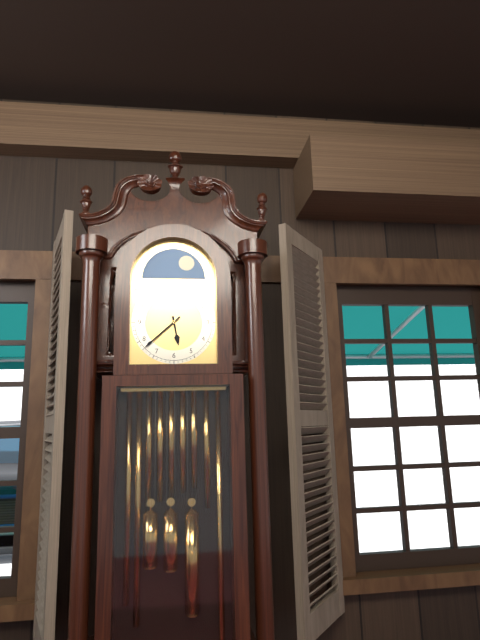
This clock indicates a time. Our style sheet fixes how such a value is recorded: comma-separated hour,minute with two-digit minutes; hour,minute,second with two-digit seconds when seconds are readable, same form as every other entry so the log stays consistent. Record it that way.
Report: 5,38
